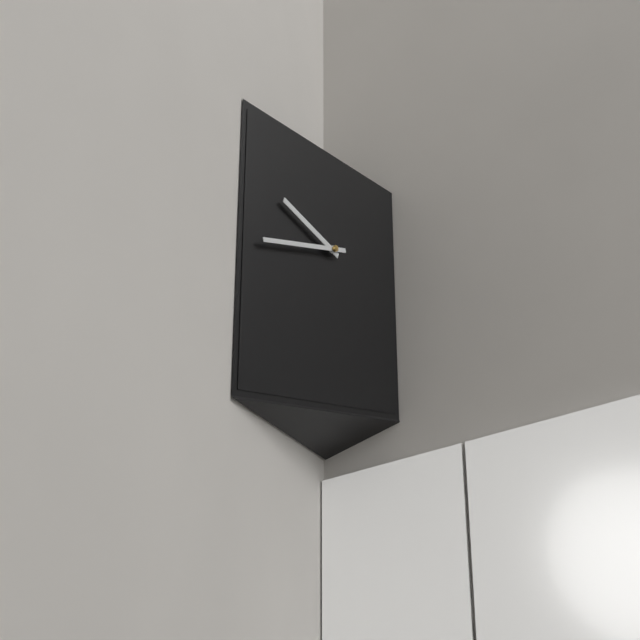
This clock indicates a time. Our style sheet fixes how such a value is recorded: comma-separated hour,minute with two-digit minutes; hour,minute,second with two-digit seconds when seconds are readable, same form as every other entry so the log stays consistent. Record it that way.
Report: 9,43
